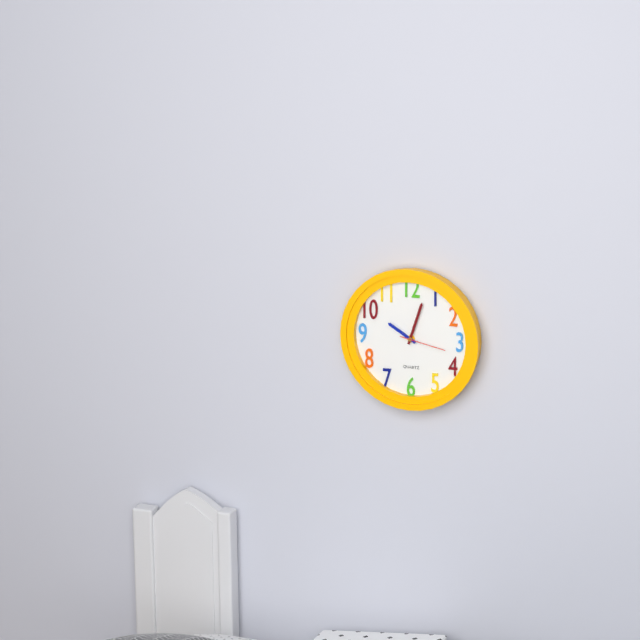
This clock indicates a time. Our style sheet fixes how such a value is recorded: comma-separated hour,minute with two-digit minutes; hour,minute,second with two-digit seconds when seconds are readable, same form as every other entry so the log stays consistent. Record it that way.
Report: 10,03
